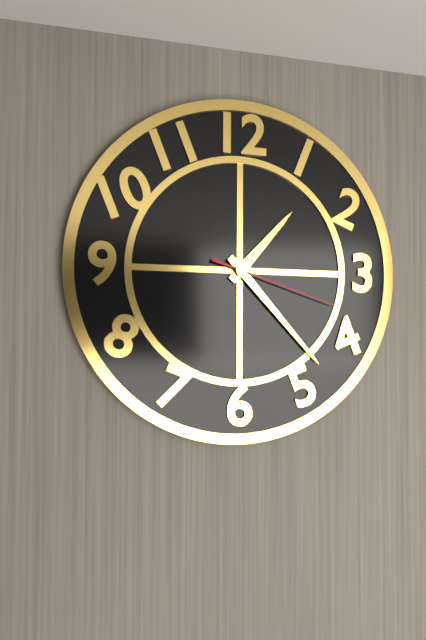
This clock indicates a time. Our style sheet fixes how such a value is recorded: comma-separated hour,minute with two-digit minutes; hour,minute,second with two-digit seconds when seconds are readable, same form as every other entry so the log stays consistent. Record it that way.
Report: 1,23,18
